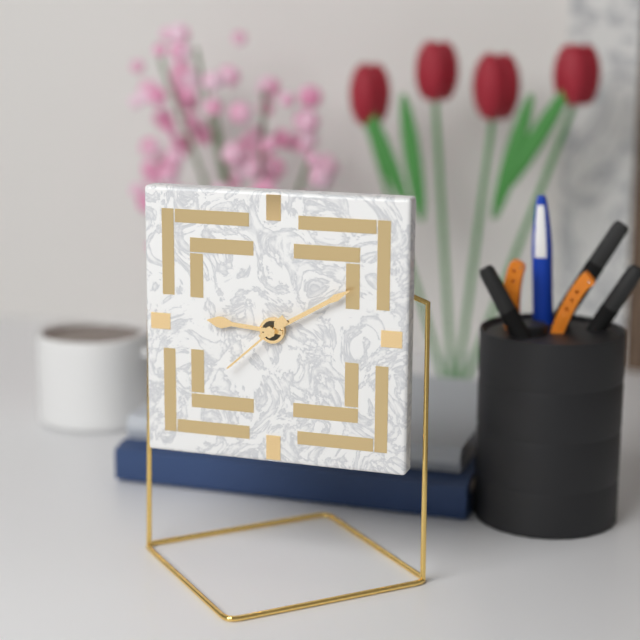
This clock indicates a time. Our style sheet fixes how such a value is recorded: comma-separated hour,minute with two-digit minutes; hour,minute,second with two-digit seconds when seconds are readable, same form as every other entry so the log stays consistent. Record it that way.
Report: 9,10,38
